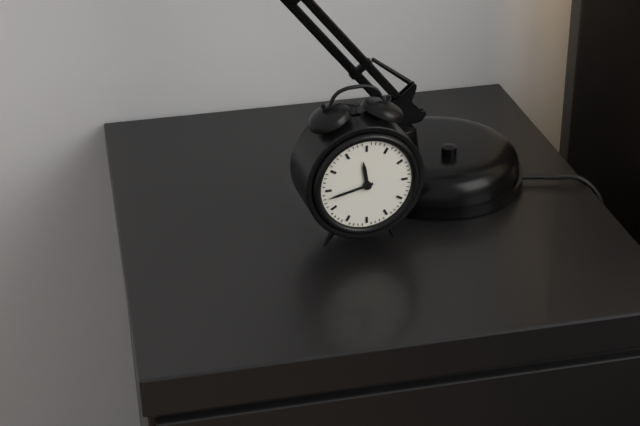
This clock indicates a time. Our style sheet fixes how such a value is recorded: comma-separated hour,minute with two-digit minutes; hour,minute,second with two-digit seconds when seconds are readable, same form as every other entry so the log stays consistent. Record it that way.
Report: 11,43
